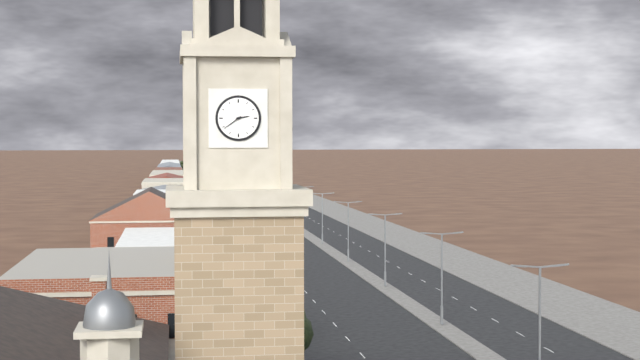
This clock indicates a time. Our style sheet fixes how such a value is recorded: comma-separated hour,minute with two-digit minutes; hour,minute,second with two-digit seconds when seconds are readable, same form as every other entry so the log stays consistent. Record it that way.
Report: 2,39
